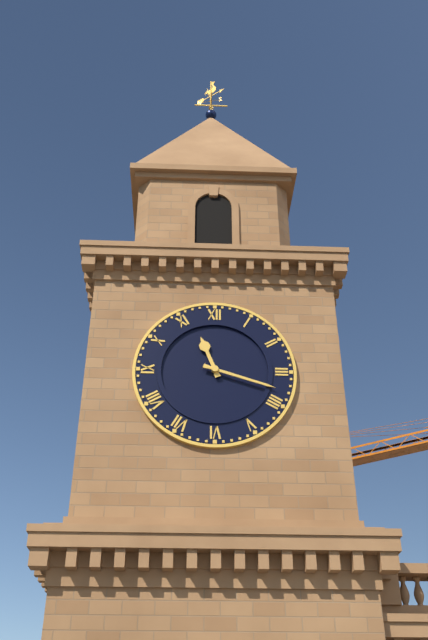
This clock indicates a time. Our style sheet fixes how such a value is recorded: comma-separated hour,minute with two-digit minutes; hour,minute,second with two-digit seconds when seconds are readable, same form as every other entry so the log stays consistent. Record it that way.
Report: 11,18
